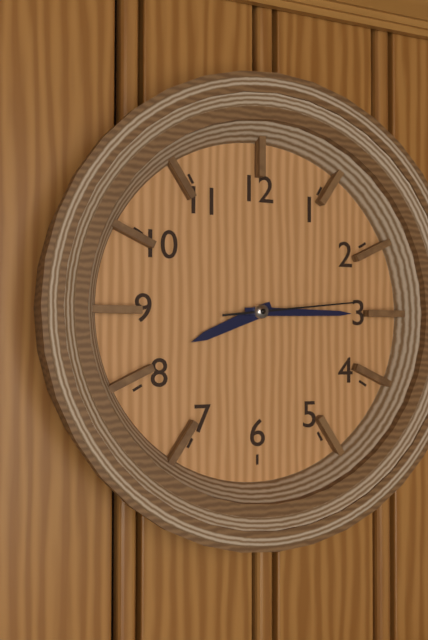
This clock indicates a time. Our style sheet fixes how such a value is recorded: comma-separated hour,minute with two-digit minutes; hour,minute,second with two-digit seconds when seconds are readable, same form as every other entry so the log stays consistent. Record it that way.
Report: 8,15,14
